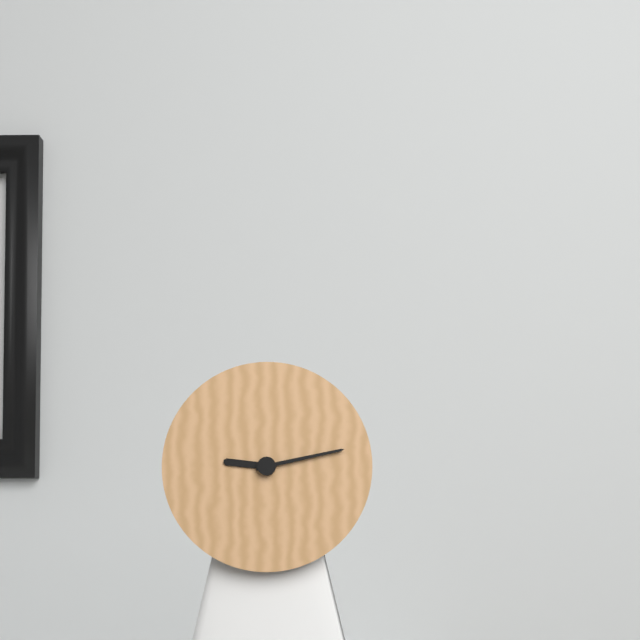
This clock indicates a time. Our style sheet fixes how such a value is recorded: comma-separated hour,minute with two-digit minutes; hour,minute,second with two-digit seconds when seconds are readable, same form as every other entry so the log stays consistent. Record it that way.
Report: 9,13
